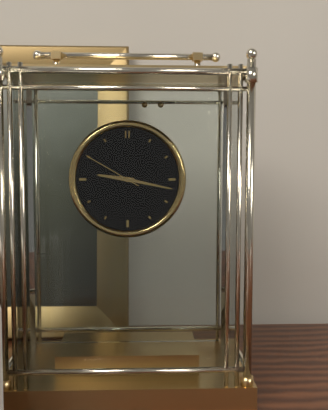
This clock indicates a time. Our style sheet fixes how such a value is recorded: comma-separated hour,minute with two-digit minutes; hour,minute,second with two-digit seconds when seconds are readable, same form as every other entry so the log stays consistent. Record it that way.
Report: 9,17,50
